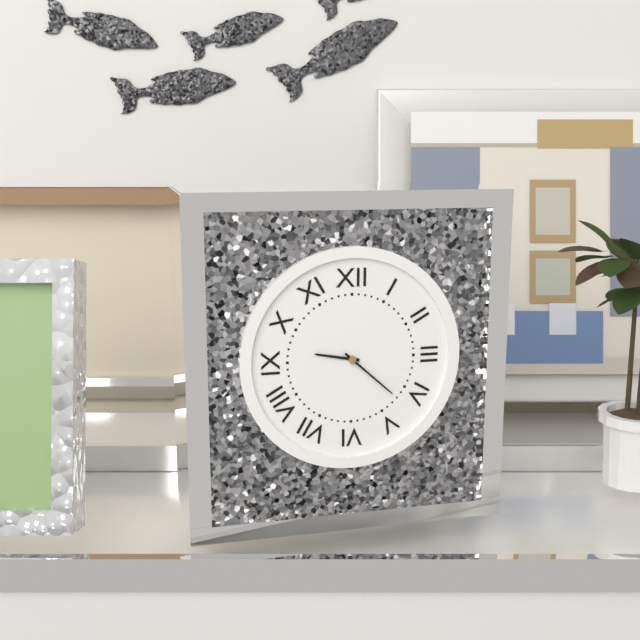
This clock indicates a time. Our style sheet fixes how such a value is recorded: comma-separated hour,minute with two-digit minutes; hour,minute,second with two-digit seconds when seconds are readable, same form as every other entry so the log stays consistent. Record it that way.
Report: 9,22
